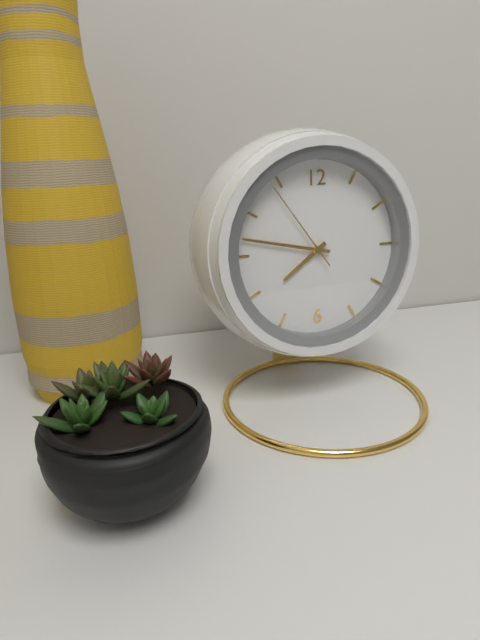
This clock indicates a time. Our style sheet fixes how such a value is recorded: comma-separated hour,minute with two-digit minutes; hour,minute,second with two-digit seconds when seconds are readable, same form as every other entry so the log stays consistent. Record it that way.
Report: 7,47,54
